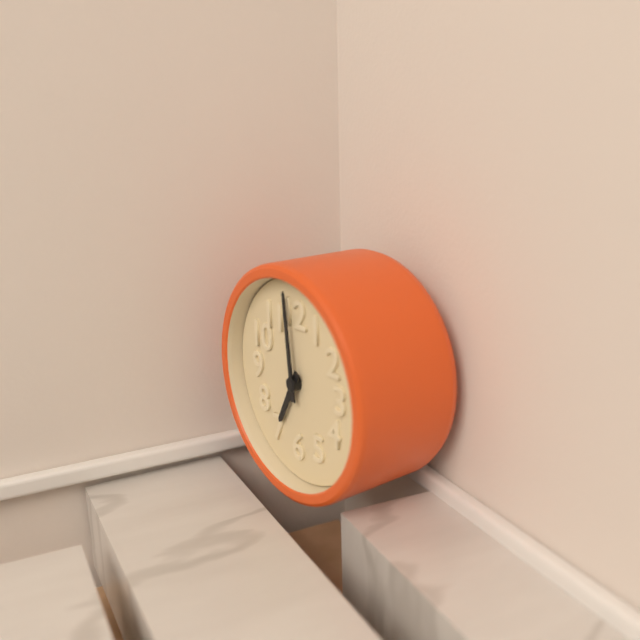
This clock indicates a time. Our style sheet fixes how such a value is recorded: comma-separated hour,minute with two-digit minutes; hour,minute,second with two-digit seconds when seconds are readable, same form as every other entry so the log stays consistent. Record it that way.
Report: 6,59
